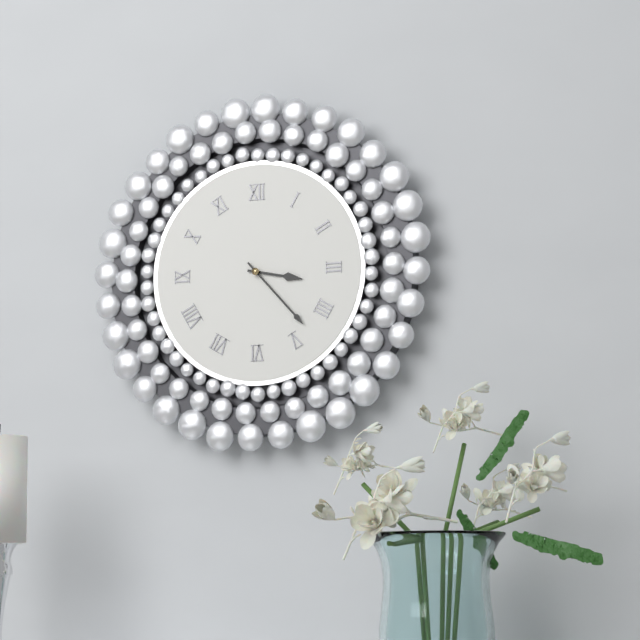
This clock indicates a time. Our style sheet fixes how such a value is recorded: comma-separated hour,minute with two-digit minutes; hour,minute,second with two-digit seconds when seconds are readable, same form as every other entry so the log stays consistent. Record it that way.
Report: 3,23
